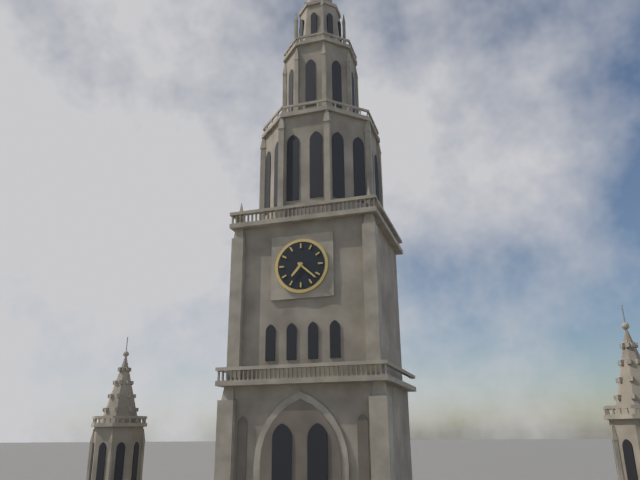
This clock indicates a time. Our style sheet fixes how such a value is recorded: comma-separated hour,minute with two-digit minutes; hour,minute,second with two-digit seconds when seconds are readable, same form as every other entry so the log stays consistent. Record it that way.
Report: 7,22
